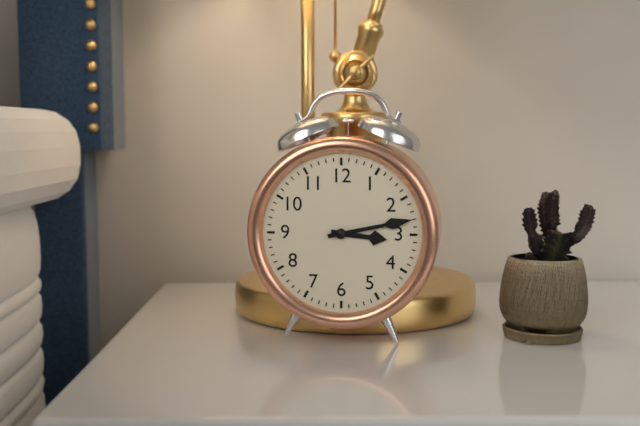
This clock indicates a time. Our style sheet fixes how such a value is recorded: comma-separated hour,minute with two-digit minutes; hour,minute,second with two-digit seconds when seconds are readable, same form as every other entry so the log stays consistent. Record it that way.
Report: 3,13
